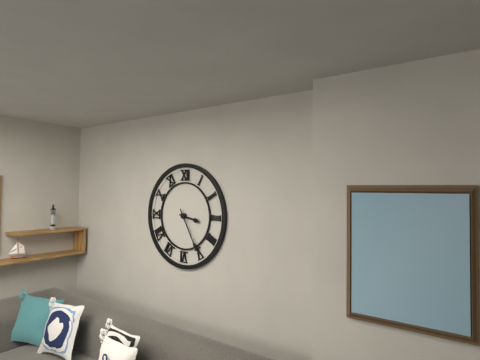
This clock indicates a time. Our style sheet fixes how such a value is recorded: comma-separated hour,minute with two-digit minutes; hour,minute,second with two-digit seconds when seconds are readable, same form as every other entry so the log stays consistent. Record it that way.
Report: 3,25
